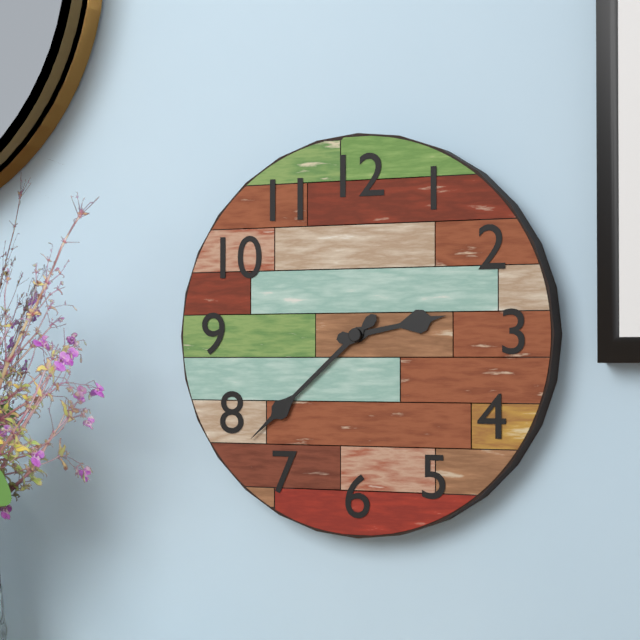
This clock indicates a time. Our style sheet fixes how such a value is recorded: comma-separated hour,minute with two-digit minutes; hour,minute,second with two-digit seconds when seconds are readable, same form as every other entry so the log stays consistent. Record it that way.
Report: 2,38
